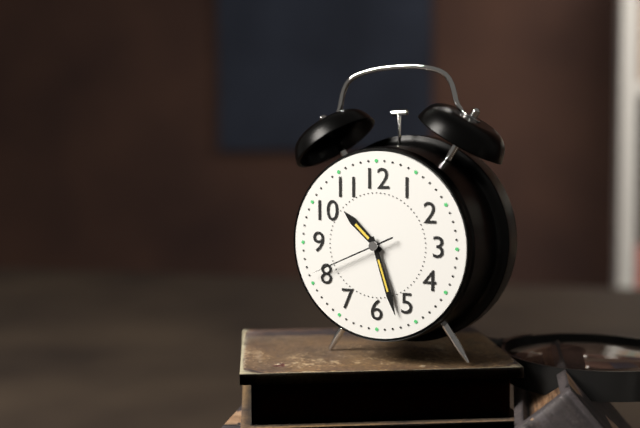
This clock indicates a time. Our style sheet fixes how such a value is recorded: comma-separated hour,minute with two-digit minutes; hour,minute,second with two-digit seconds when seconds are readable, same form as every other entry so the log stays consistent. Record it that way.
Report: 10,27,41
